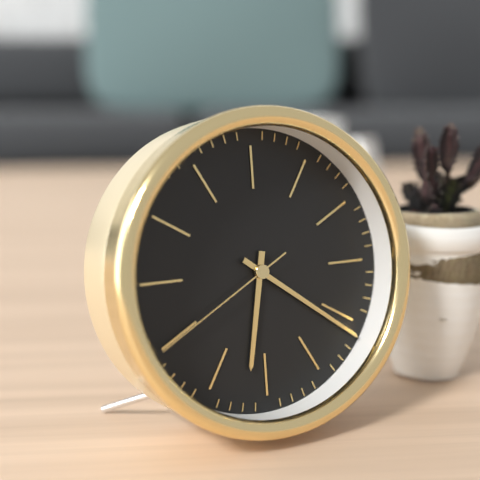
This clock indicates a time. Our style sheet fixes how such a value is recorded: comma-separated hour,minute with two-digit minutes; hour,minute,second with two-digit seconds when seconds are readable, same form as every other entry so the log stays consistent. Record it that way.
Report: 6,21,40
